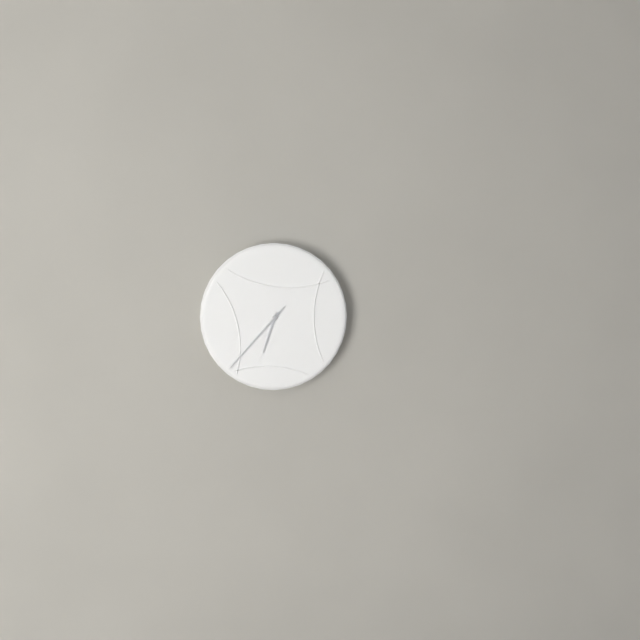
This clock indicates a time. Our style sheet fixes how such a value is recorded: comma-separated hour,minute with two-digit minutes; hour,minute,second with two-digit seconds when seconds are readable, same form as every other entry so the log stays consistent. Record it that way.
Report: 6,37
